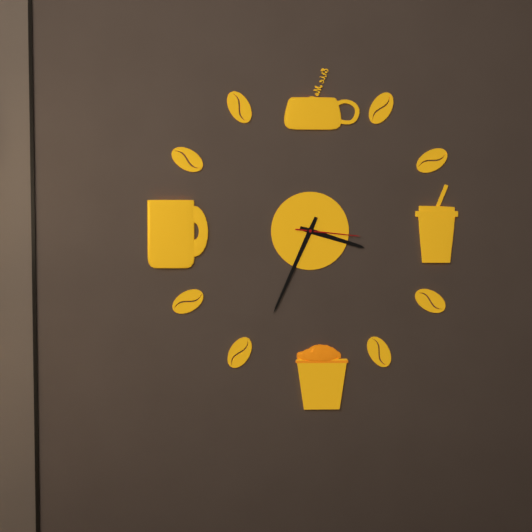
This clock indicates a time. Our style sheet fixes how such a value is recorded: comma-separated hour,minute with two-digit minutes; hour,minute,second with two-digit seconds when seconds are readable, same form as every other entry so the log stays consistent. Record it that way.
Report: 3,34,16
